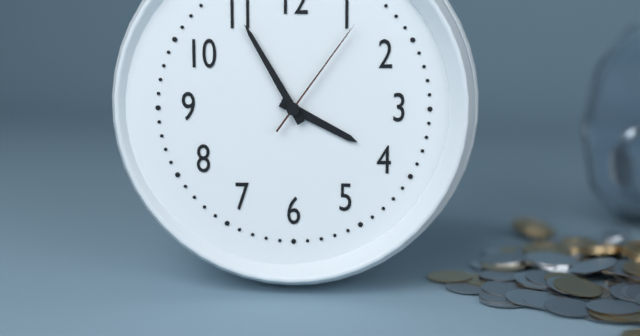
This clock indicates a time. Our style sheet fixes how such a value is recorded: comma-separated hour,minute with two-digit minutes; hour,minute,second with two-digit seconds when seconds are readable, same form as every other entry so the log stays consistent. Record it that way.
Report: 3,55,06
